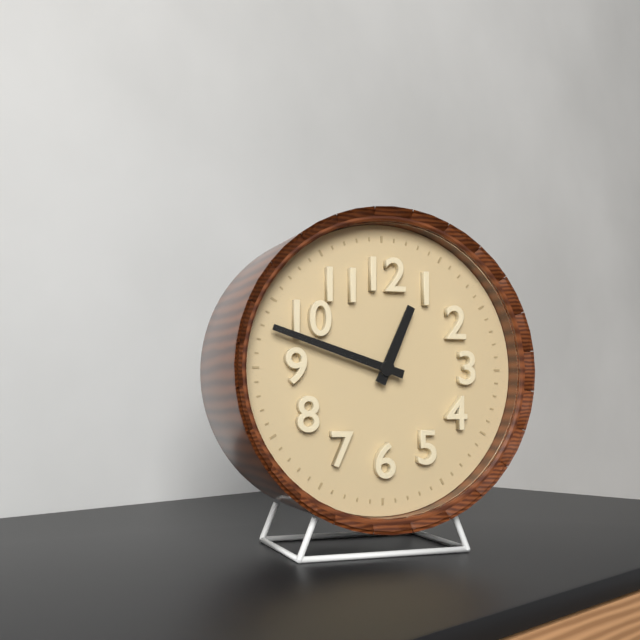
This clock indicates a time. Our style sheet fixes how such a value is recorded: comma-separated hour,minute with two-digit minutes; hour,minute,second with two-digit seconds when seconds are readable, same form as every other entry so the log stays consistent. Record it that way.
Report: 12,48
